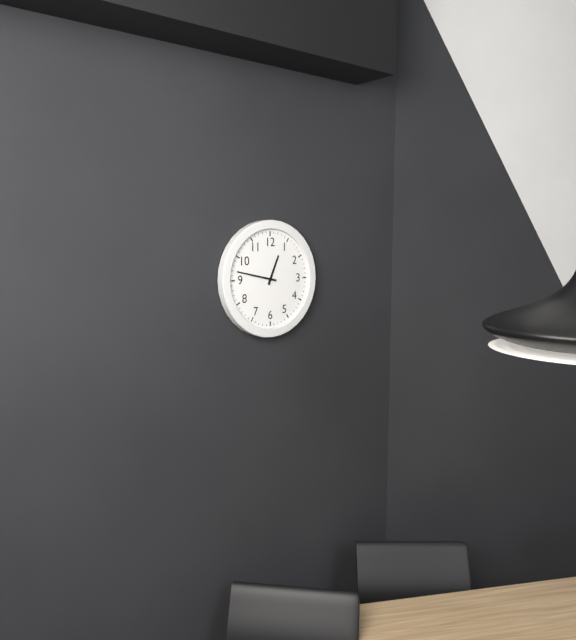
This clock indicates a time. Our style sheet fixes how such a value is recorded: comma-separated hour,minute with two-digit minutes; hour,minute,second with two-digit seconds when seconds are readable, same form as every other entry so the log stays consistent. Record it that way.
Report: 12,47
